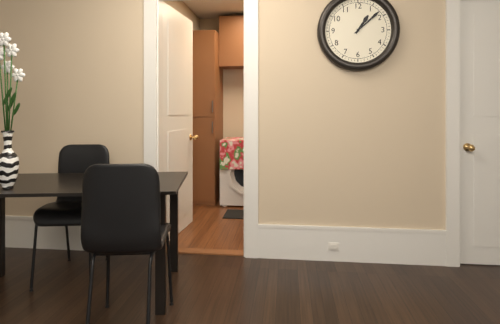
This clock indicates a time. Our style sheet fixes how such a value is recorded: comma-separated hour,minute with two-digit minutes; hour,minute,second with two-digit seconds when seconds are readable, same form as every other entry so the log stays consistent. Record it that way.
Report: 1,08
